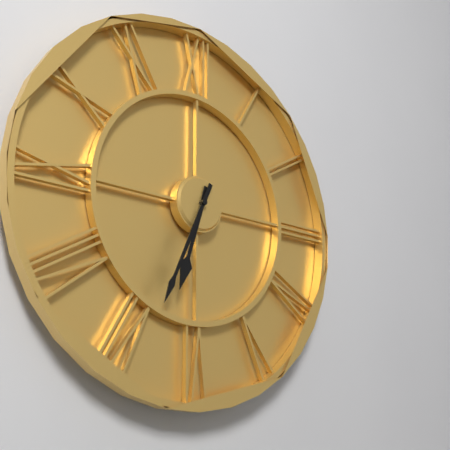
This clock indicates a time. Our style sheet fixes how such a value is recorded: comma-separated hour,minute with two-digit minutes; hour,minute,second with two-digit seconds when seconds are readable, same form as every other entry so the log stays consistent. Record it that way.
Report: 6,34
